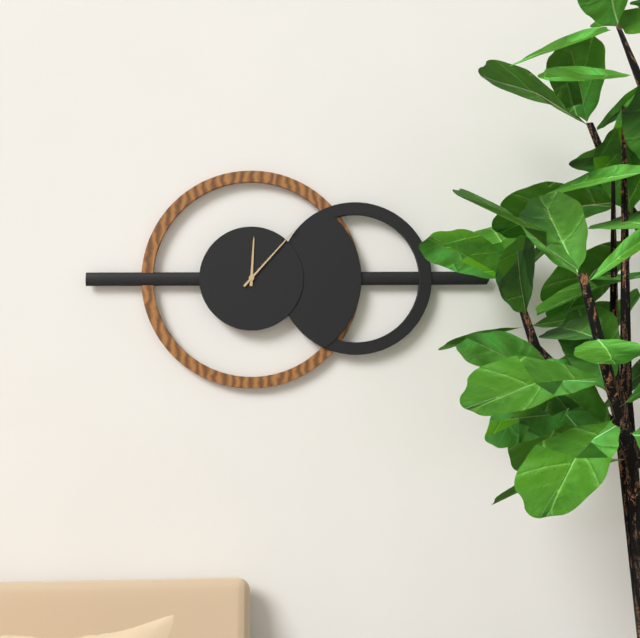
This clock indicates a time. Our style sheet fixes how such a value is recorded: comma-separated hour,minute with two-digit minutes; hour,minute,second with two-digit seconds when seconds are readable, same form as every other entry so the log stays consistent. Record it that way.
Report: 12,07
